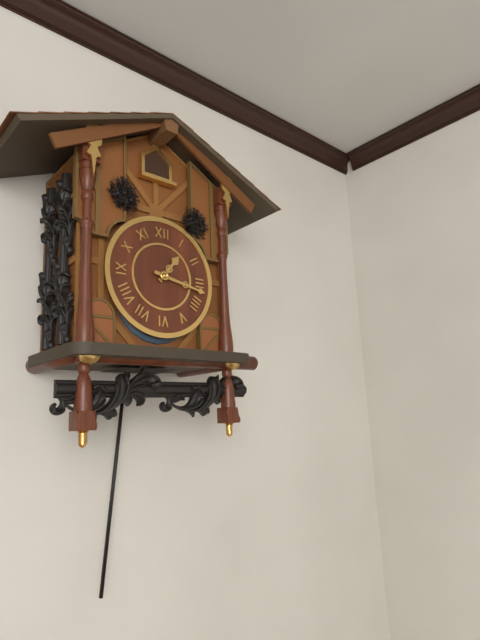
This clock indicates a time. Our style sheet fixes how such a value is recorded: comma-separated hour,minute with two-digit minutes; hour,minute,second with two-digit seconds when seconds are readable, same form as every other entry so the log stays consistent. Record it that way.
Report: 1,17
